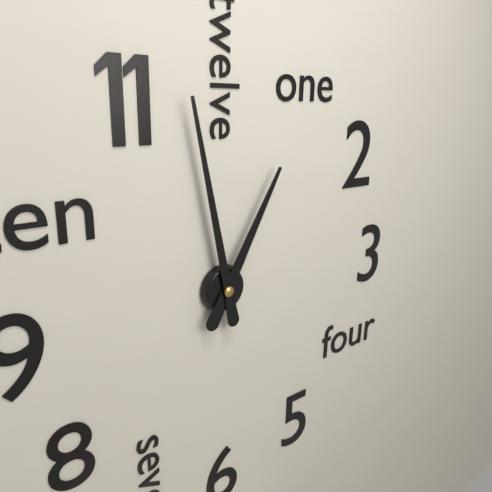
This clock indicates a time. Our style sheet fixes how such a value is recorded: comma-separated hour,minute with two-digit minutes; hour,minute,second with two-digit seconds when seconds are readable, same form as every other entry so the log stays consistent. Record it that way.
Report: 12,58
